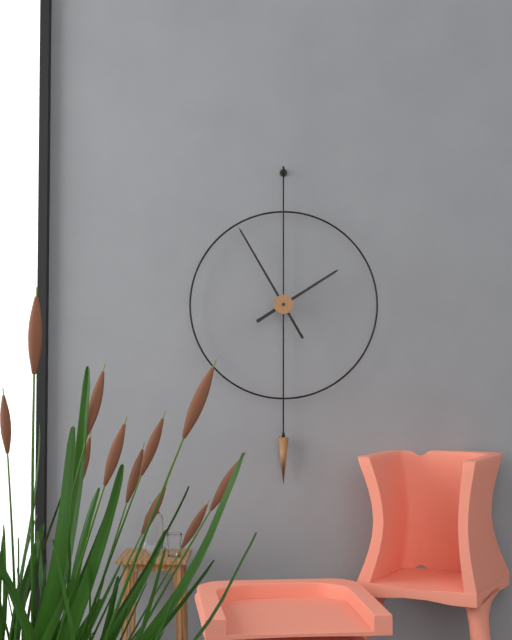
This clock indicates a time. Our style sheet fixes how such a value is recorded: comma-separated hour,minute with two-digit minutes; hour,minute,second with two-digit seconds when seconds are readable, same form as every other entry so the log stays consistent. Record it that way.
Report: 1,55
